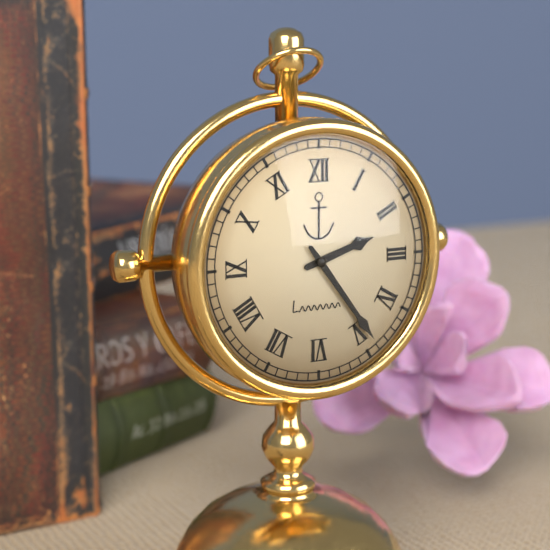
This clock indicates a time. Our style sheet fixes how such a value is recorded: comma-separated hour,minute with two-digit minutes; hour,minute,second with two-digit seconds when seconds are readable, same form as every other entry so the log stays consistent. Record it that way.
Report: 2,24
